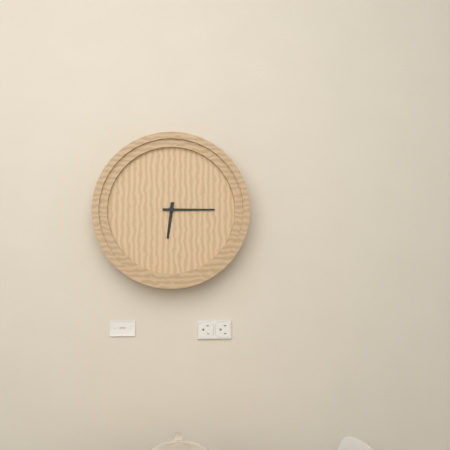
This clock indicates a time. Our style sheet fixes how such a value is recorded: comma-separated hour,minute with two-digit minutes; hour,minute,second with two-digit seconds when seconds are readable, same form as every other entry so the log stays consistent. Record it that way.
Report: 6,15
